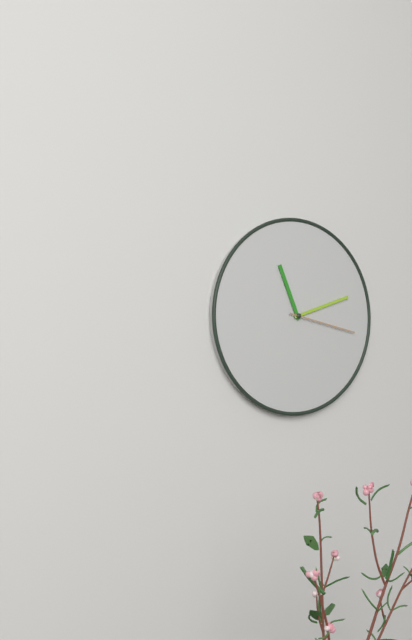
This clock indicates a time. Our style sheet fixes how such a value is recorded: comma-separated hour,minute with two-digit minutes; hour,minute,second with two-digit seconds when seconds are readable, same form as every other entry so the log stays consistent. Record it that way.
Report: 11,12,17
